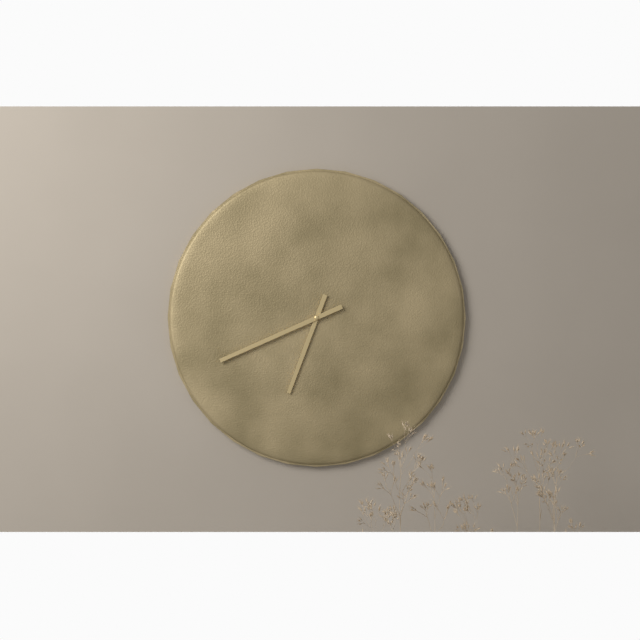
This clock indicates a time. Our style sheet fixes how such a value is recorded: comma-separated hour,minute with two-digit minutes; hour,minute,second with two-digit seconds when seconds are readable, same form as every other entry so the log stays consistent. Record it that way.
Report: 6,41
